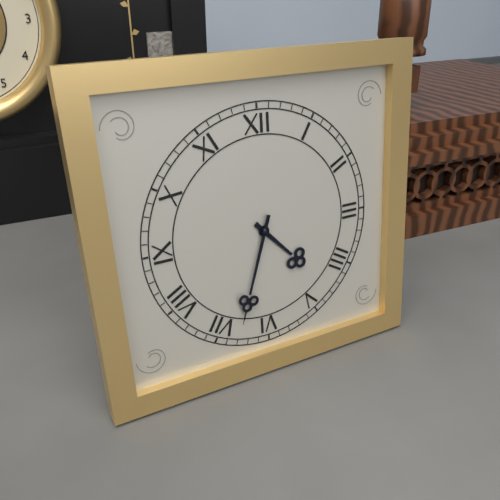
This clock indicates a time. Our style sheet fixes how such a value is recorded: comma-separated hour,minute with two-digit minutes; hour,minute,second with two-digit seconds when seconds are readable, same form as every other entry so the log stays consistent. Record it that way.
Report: 4,33
